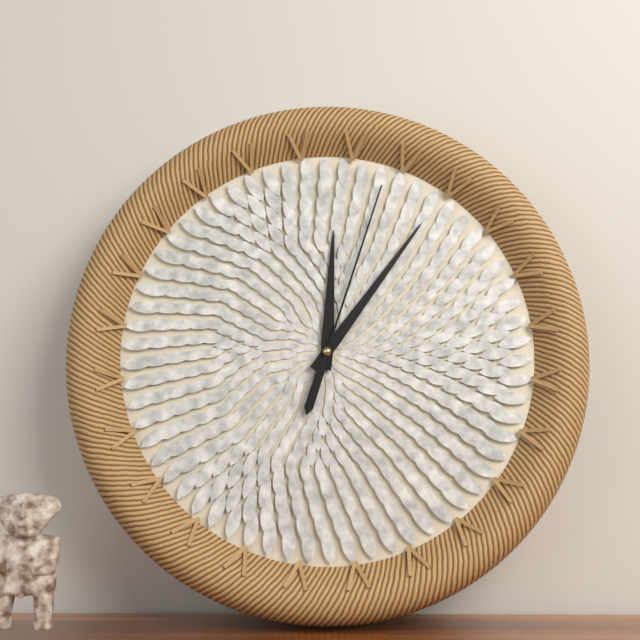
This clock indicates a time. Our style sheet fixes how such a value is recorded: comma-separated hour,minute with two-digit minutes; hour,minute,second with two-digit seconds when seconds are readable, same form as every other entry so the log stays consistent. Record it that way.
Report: 12,06,03
